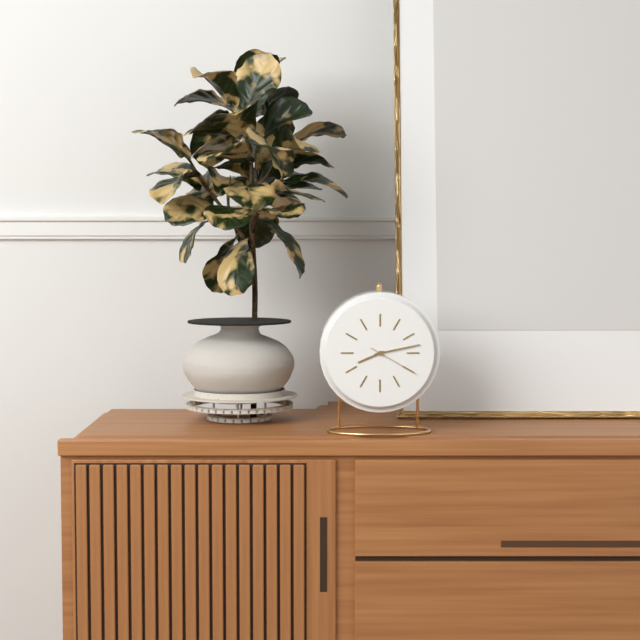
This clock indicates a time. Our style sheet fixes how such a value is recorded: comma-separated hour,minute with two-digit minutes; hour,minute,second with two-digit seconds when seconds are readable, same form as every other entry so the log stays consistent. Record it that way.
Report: 8,13,20
